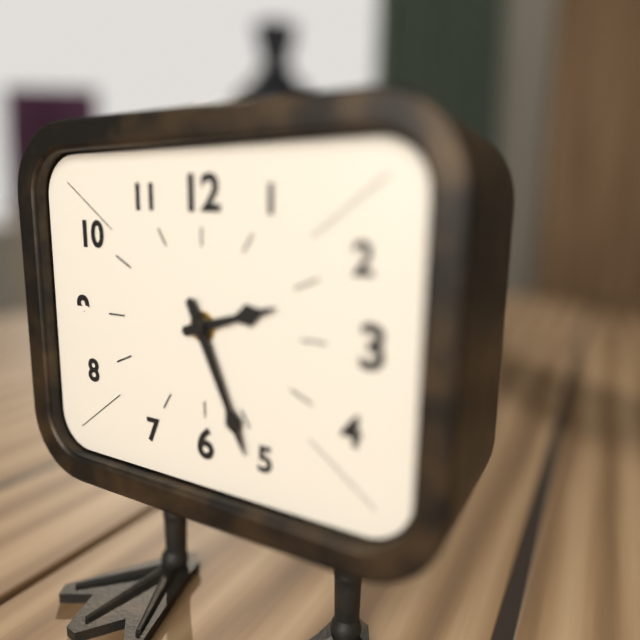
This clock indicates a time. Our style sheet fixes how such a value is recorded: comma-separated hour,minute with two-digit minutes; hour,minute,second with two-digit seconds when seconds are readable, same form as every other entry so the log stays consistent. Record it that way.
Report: 2,26
